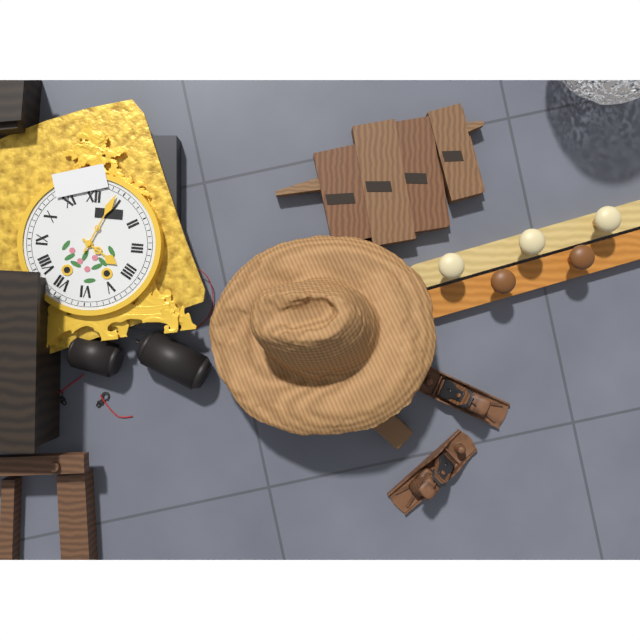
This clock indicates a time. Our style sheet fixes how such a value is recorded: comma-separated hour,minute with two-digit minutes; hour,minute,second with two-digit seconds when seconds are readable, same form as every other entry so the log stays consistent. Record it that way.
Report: 4,04
